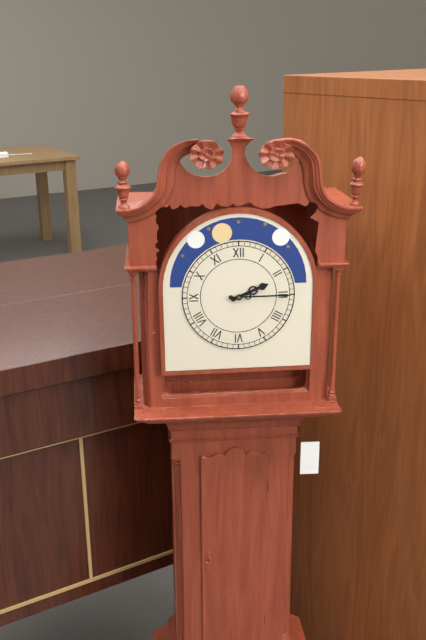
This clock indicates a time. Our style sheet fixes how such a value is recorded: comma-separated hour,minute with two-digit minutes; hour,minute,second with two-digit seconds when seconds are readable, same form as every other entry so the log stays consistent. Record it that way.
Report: 2,15
